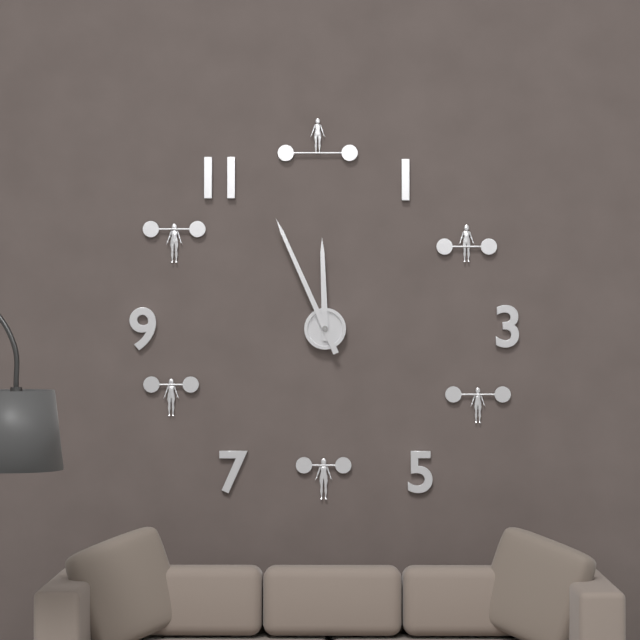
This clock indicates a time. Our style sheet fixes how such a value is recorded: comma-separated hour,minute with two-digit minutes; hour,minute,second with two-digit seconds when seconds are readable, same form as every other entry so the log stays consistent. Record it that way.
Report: 11,56
